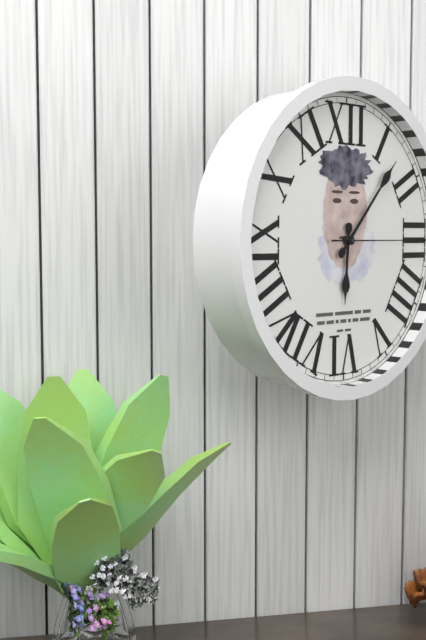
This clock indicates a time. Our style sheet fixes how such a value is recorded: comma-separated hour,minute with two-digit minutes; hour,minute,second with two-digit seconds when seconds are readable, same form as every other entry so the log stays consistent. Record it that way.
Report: 6,07,15
